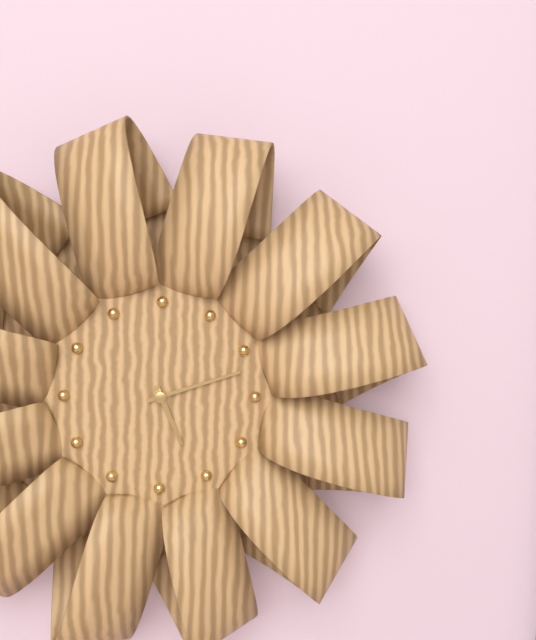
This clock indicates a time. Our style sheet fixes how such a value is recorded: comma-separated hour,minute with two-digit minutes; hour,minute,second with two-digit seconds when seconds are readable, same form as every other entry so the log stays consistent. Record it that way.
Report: 5,12
